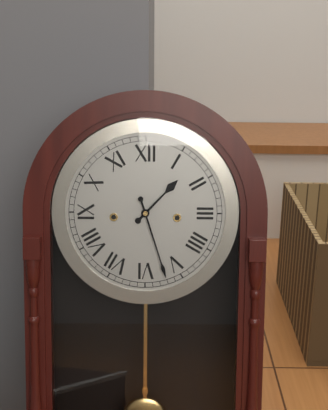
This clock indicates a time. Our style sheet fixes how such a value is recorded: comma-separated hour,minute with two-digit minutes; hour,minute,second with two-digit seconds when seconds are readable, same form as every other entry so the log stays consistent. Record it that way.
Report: 1,27
